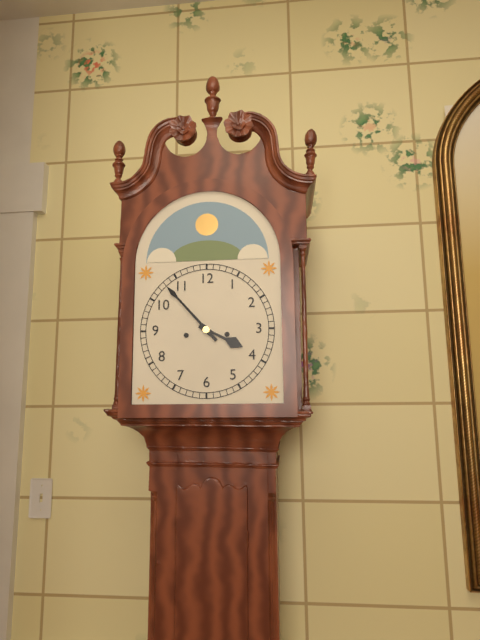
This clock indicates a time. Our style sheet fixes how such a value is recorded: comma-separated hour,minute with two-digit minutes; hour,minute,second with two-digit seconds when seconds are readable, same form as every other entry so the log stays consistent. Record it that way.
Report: 3,53
